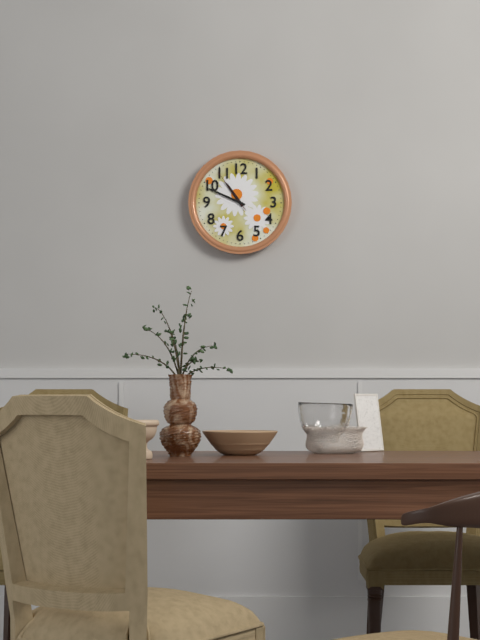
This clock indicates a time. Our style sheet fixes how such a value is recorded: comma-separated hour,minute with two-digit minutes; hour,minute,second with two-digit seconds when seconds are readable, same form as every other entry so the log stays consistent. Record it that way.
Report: 10,49
